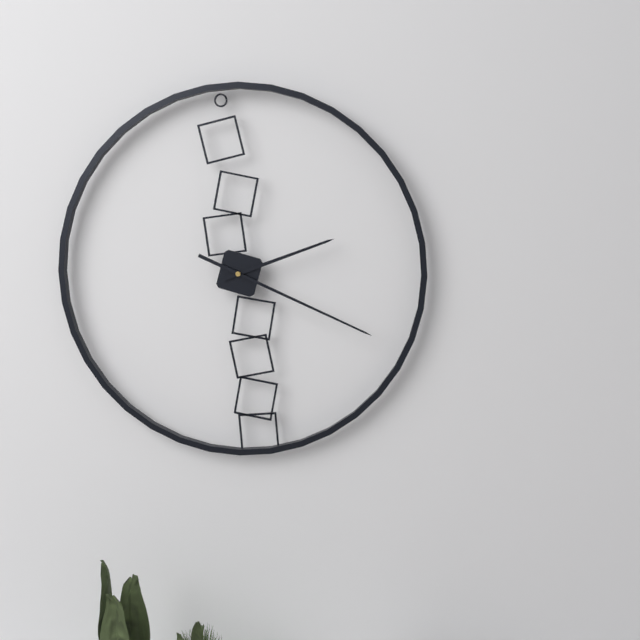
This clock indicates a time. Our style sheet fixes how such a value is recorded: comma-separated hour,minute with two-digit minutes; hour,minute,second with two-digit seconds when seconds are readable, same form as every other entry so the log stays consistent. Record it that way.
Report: 2,19
